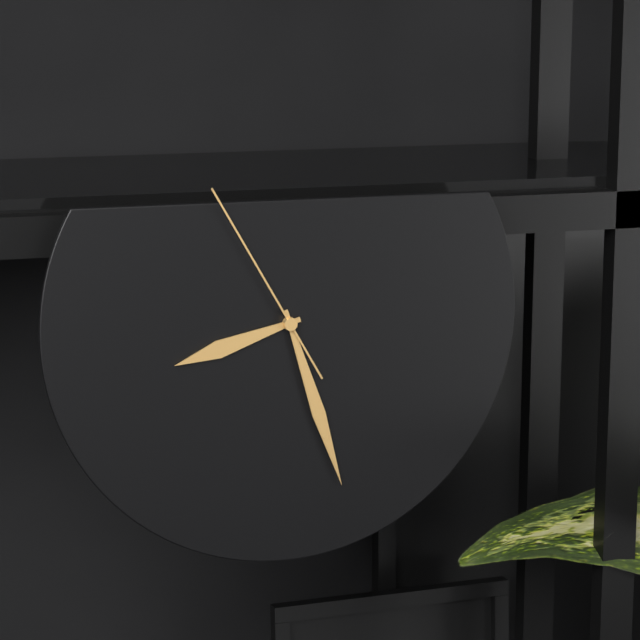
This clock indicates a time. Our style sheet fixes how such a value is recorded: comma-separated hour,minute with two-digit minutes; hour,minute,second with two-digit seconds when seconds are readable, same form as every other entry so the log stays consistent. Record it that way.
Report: 8,27,55
